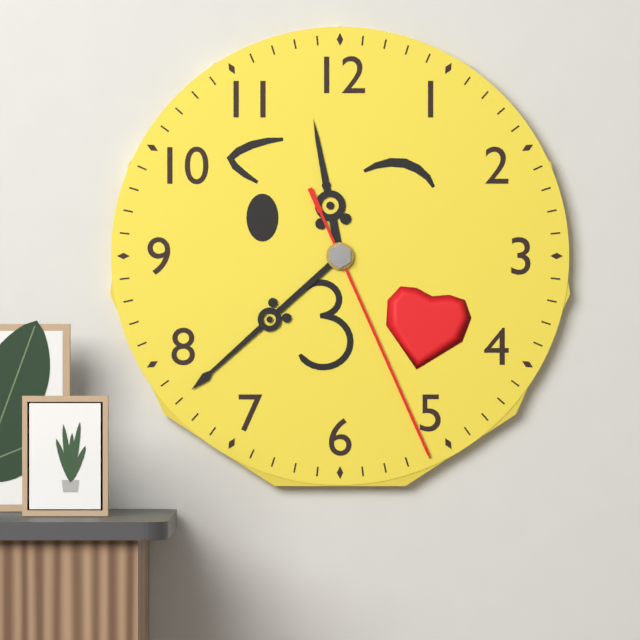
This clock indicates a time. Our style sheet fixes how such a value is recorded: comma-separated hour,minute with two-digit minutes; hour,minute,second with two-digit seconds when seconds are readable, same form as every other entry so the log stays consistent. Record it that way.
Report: 11,38,26
